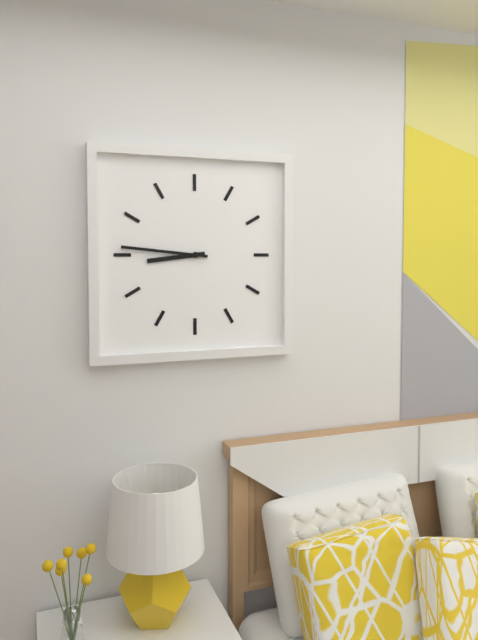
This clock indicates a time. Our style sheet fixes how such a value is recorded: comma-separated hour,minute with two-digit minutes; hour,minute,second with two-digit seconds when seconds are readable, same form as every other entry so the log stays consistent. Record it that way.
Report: 8,46
